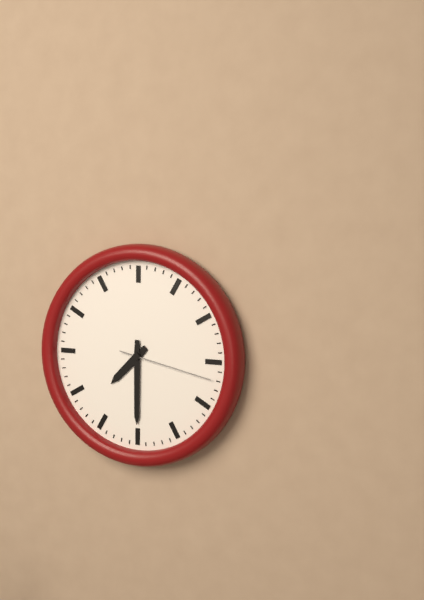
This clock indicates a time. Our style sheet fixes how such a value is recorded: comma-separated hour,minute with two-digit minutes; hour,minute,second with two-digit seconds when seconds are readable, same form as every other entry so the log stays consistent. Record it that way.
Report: 7,30,17
